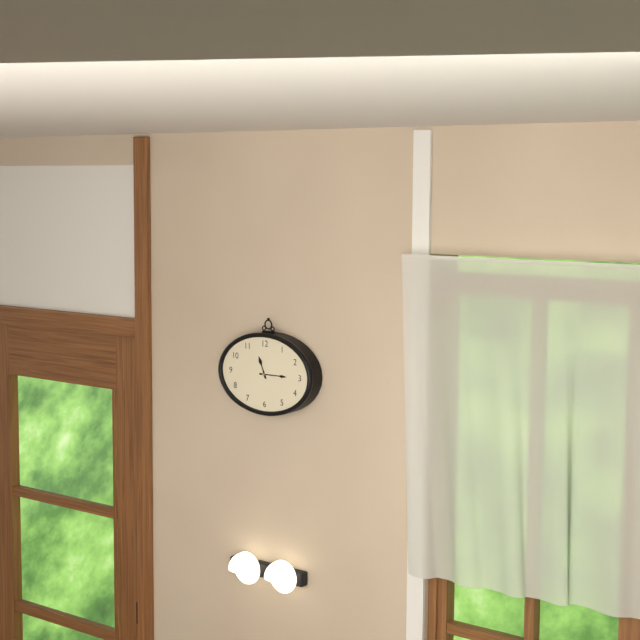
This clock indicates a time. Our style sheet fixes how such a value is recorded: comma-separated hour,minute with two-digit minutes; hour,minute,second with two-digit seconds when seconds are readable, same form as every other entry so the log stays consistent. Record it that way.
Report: 11,15
